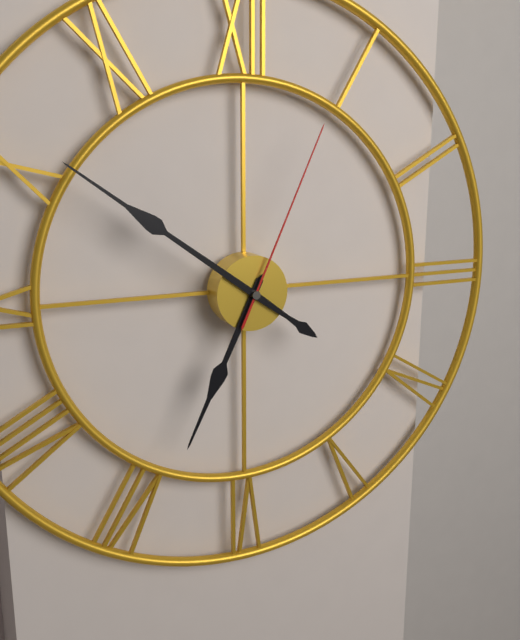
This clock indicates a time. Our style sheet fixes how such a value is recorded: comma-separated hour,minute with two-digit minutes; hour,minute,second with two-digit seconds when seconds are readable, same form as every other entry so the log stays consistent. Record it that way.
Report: 6,51,04
